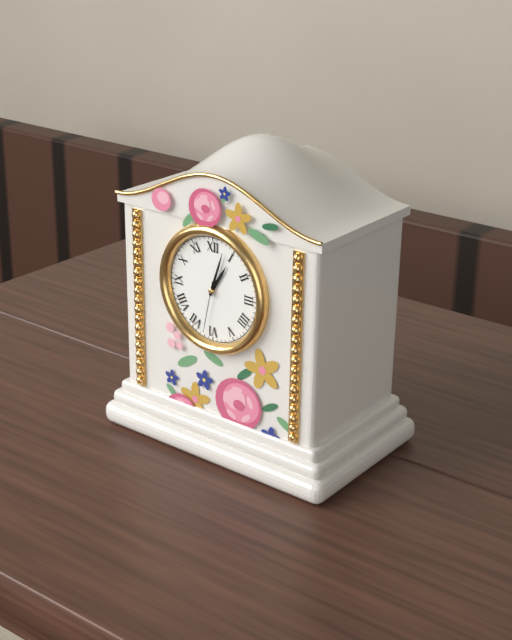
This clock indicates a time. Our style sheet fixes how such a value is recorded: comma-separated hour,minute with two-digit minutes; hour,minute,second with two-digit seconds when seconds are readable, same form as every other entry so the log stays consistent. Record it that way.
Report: 1,03,32
